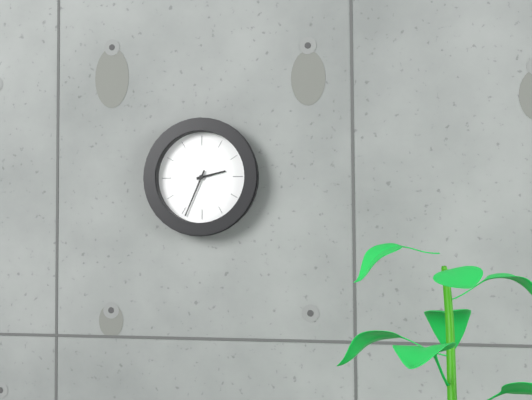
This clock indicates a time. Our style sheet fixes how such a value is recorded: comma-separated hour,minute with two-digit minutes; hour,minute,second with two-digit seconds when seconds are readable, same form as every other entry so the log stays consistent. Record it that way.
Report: 2,34
